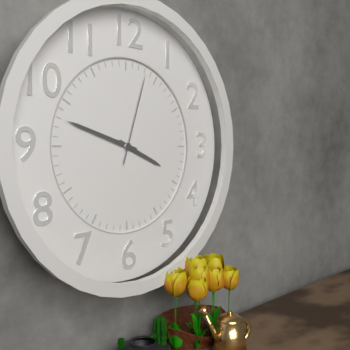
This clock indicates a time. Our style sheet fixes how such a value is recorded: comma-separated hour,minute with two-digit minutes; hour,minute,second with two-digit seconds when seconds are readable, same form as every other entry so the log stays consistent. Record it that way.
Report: 3,48,03
